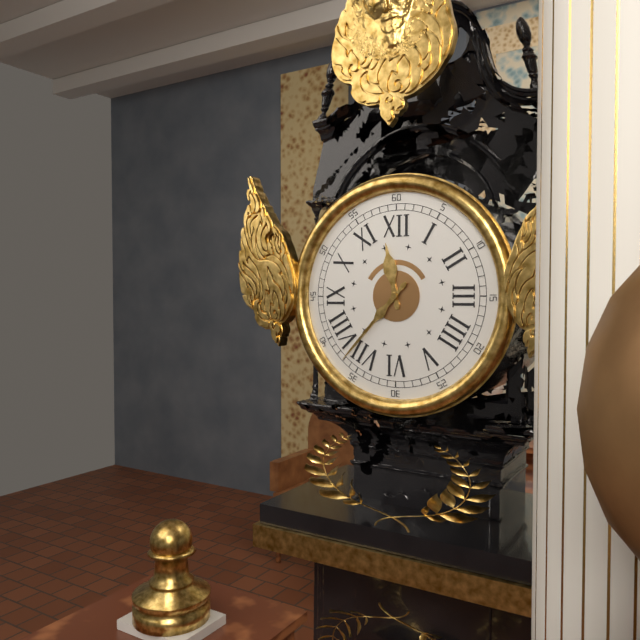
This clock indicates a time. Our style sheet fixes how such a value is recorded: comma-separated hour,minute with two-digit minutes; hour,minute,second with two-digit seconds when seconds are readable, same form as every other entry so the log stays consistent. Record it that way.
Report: 11,37
